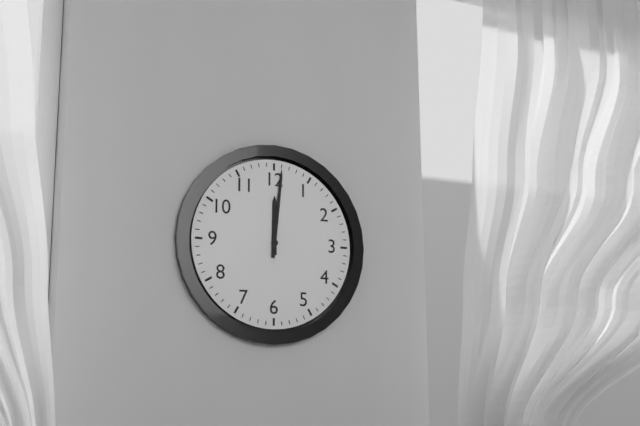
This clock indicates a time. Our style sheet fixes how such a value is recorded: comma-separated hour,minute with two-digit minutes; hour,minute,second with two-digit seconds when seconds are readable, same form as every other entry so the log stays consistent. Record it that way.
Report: 12,01
